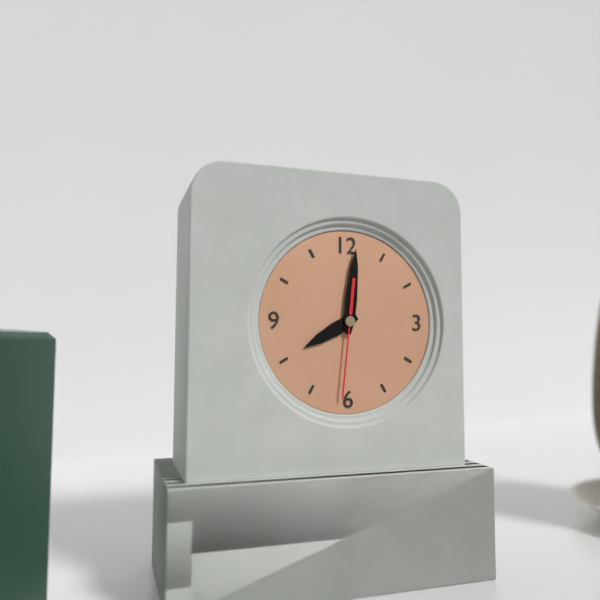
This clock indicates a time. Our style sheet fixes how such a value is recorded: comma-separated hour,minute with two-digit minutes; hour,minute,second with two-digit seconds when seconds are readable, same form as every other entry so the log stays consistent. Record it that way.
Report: 8,01,31
